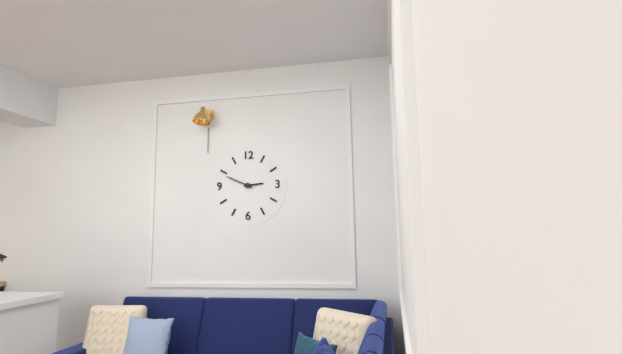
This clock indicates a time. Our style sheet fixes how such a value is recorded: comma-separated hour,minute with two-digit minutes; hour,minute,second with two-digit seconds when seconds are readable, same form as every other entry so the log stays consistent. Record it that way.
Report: 2,49
